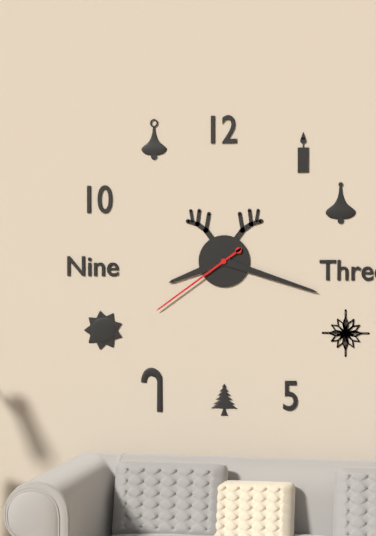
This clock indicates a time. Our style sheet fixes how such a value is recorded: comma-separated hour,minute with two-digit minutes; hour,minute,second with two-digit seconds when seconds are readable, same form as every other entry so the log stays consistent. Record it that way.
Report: 8,18,39
